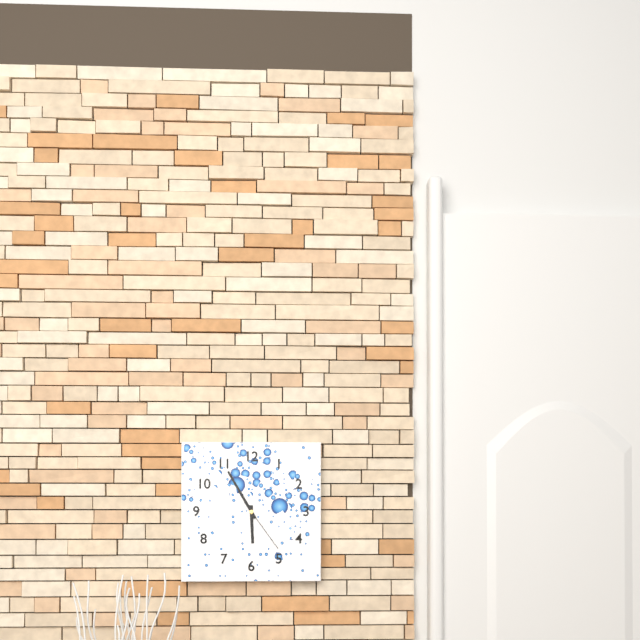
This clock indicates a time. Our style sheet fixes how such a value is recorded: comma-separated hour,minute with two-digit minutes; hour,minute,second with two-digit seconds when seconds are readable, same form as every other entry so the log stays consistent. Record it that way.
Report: 5,55,24
